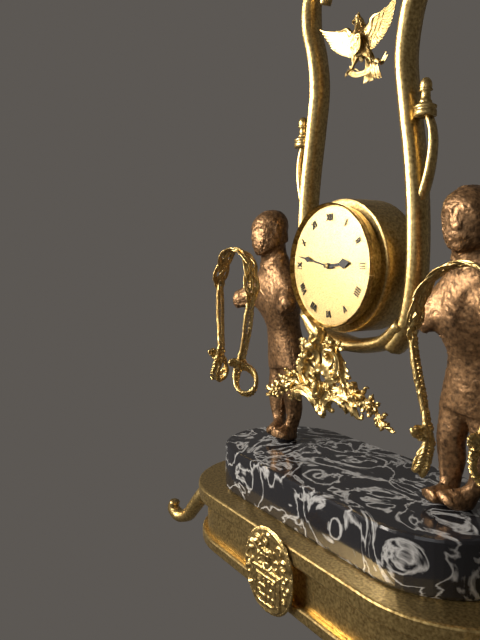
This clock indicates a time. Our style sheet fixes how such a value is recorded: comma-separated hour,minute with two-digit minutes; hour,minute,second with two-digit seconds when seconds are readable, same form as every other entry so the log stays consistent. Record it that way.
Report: 2,47
